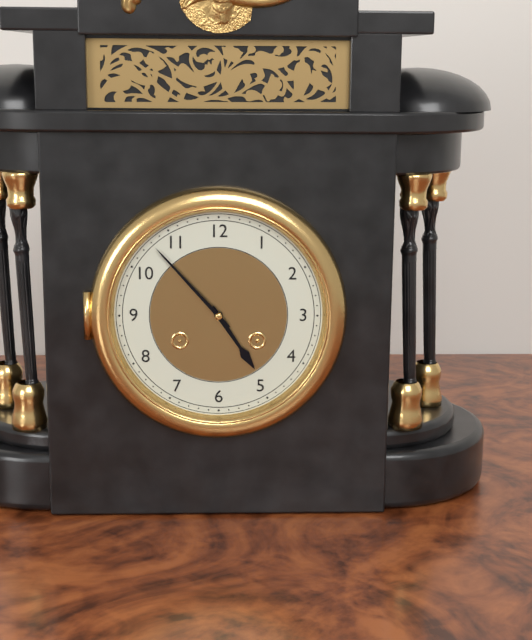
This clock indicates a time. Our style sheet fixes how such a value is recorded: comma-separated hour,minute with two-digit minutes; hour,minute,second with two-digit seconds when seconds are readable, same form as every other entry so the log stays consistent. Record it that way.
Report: 4,53
